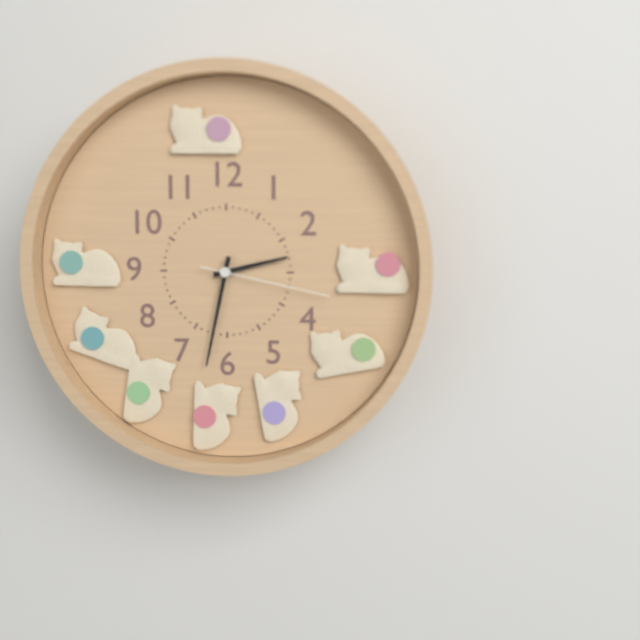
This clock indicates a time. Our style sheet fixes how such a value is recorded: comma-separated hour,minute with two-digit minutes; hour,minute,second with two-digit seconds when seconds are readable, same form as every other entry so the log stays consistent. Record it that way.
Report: 2,32,17
